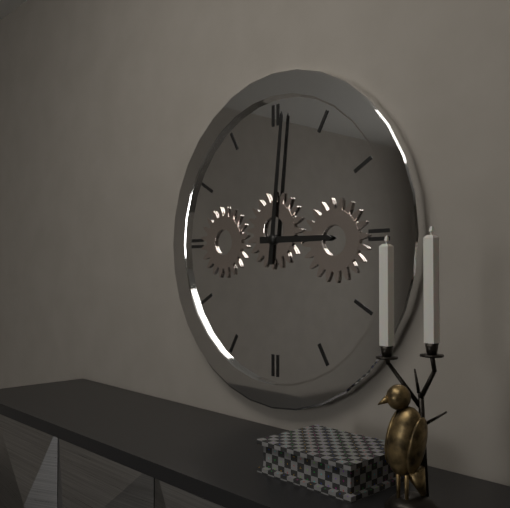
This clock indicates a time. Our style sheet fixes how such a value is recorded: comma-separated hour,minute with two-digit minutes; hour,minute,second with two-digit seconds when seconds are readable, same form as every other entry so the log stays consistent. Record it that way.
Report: 3,01
